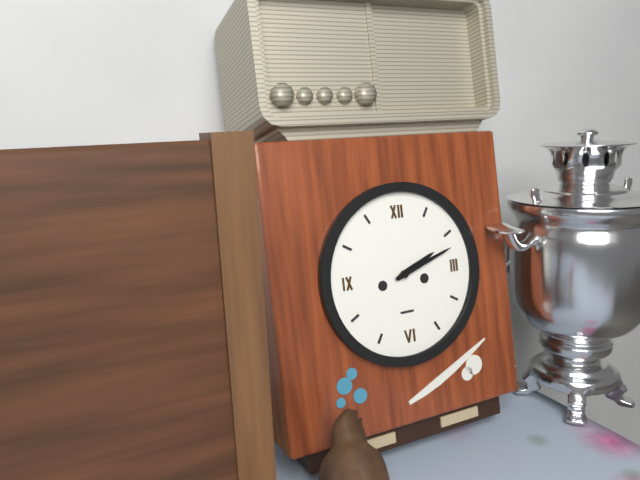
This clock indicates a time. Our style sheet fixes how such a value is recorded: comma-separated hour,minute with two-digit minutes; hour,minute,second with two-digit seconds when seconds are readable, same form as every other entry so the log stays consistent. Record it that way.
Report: 2,12
